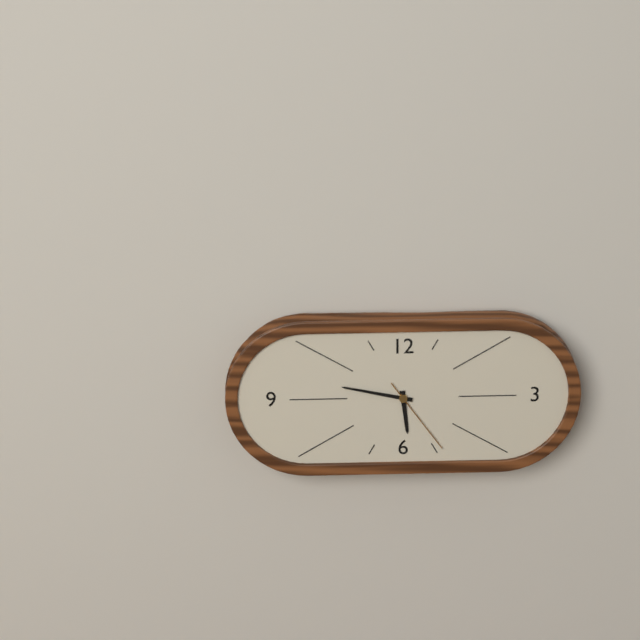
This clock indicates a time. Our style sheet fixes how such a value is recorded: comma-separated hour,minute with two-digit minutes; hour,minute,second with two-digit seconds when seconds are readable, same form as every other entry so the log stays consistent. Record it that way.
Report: 5,47,24
